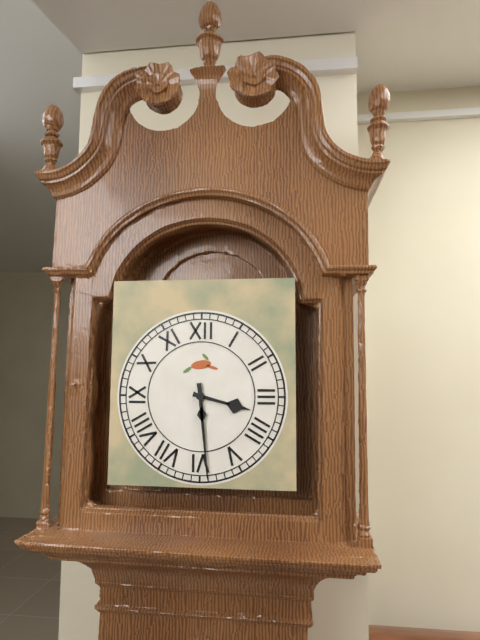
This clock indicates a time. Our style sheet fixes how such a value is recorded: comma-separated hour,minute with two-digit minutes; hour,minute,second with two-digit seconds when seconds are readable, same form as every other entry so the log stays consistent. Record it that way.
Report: 3,29
